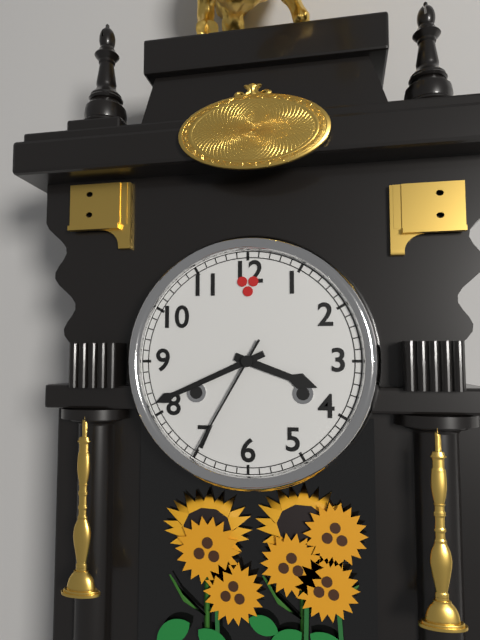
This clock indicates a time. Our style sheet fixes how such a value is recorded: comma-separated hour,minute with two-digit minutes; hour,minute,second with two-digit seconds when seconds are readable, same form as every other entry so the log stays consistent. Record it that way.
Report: 3,41,35
